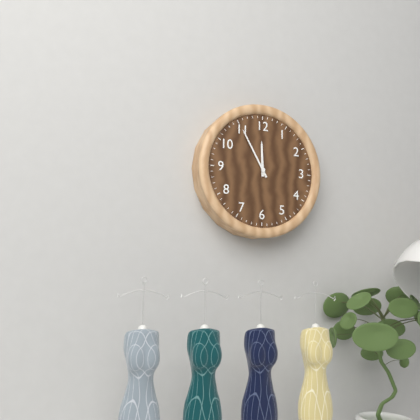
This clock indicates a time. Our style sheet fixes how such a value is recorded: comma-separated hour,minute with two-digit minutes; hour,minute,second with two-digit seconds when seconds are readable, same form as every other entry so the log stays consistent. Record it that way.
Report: 11,55
